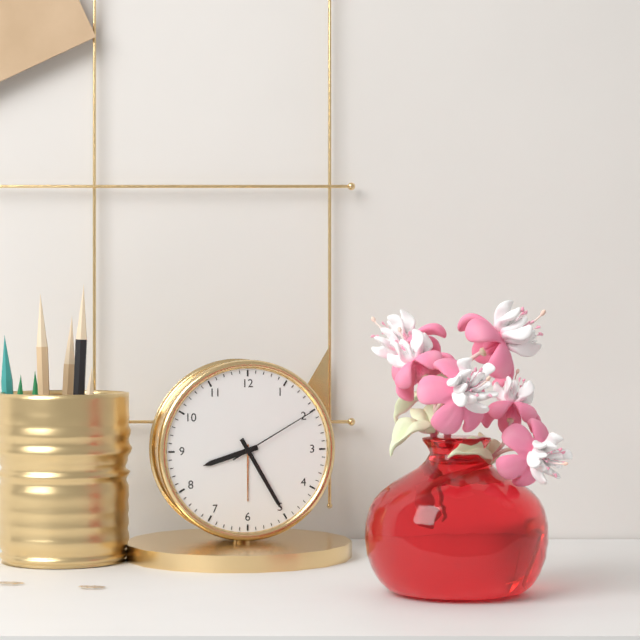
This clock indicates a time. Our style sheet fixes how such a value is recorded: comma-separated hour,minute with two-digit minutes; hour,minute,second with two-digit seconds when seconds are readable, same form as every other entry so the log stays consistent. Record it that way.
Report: 8,25,10
